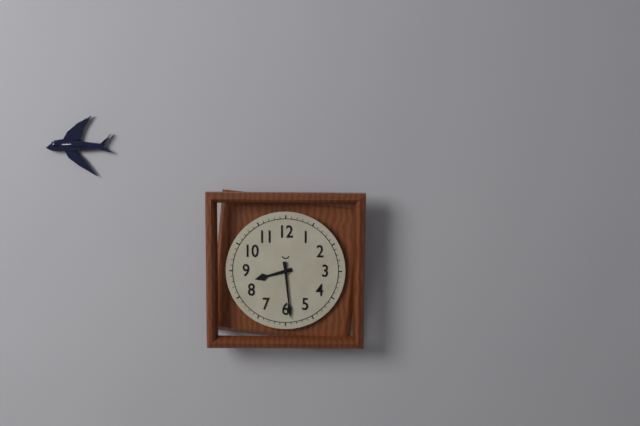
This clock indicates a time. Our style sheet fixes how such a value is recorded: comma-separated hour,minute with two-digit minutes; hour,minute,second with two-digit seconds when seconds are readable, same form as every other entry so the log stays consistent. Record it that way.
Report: 8,29
